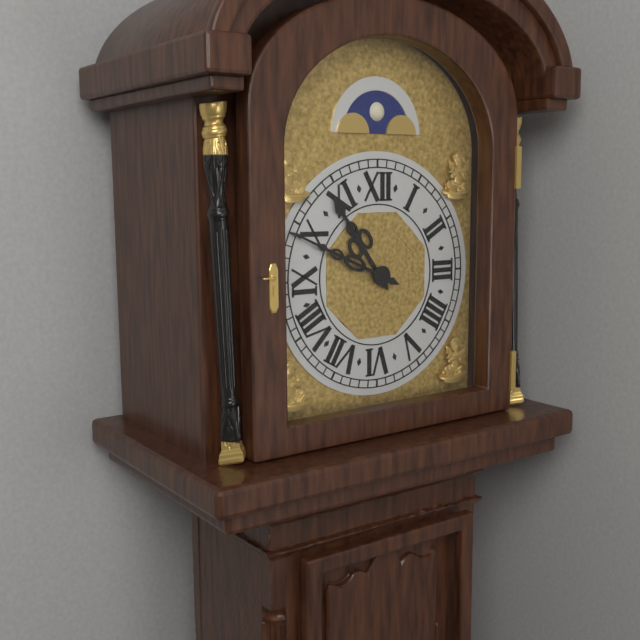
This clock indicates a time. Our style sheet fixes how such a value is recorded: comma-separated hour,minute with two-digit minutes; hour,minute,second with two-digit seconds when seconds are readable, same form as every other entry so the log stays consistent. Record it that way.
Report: 10,49
